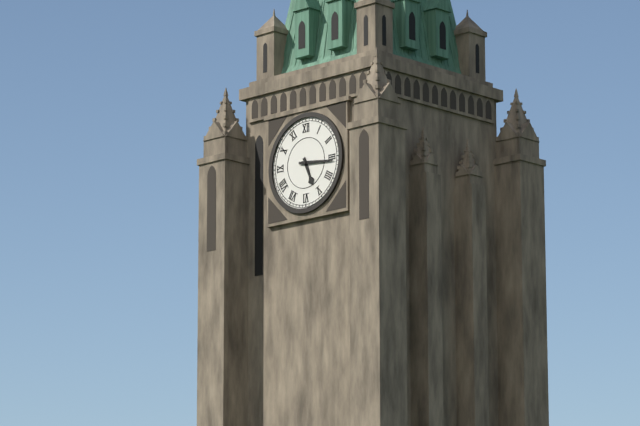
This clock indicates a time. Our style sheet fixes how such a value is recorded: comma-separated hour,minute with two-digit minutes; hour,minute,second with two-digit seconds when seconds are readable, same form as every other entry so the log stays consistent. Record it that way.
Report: 5,16
